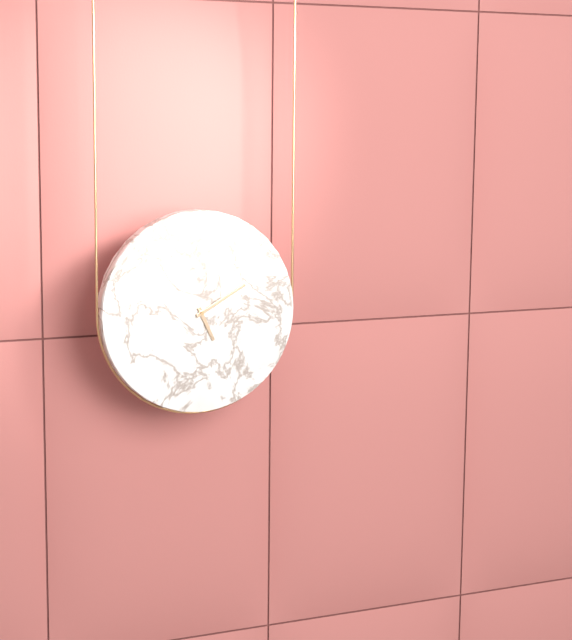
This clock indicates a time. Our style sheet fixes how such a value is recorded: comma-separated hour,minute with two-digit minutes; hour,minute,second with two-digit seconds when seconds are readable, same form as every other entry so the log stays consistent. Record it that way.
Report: 5,10
